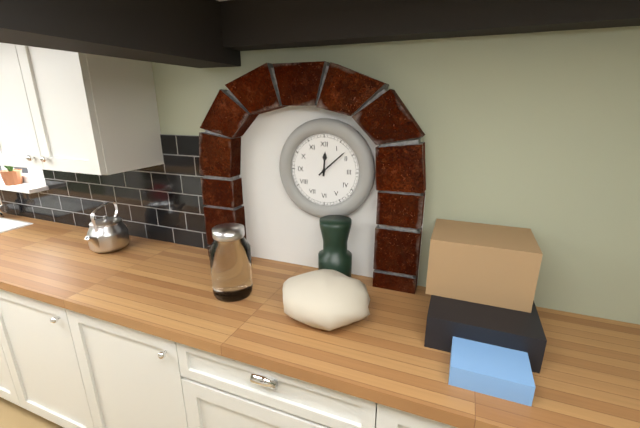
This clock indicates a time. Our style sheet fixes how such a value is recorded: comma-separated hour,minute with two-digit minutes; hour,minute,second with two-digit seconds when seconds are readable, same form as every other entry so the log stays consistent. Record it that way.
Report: 12,08
